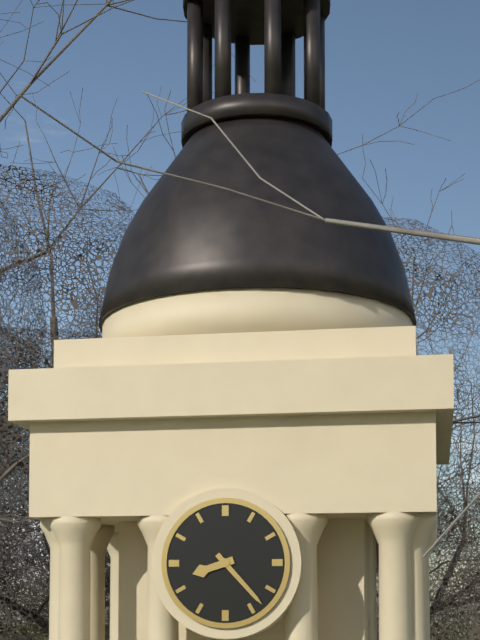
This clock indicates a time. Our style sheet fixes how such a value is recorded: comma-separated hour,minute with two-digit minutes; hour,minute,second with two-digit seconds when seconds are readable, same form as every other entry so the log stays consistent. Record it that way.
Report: 8,23
